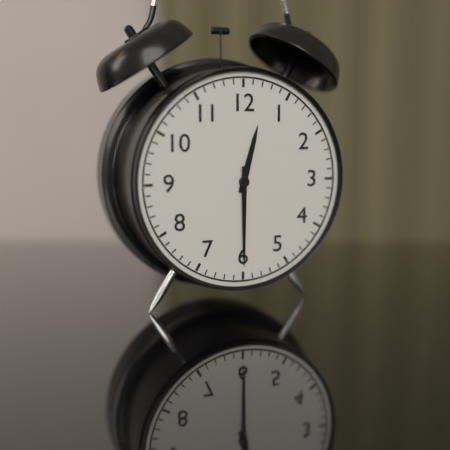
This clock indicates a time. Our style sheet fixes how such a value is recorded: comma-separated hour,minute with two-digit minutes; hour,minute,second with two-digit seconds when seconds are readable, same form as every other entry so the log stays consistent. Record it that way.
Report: 12,30
